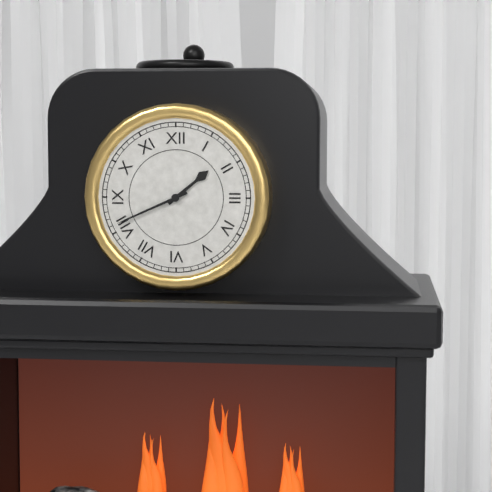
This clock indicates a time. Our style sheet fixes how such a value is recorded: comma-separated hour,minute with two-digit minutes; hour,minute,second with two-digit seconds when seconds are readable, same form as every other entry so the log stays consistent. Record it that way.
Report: 1,41
